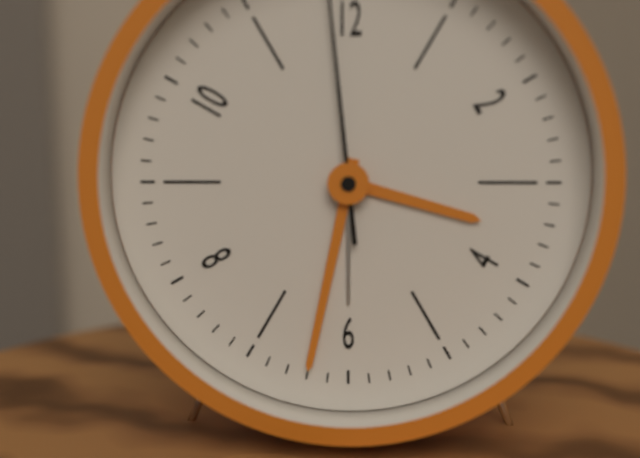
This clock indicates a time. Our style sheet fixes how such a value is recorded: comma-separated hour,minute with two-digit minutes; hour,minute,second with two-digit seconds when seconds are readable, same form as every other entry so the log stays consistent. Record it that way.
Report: 3,32
